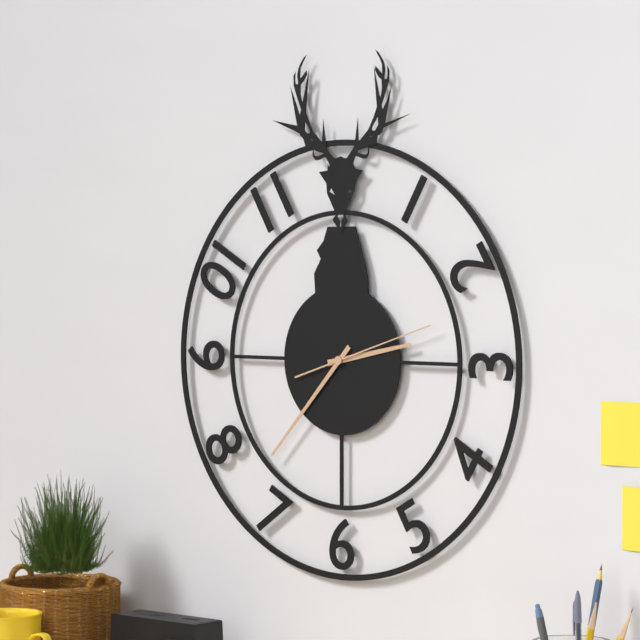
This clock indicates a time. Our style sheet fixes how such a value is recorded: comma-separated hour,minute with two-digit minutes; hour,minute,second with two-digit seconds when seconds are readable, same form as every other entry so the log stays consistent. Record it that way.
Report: 2,37,12
